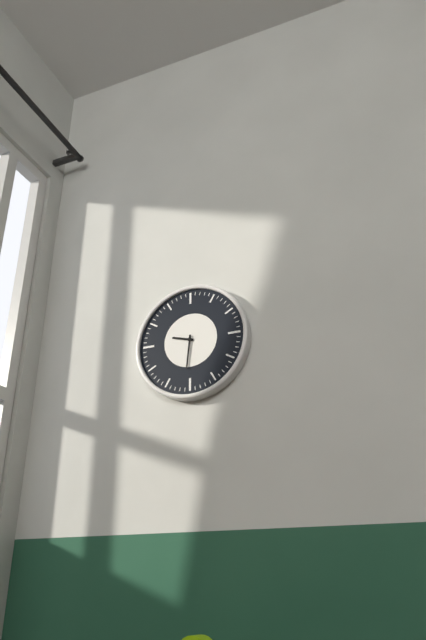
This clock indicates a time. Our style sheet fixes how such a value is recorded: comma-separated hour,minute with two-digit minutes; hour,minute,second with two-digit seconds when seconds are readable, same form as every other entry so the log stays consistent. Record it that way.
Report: 9,31
